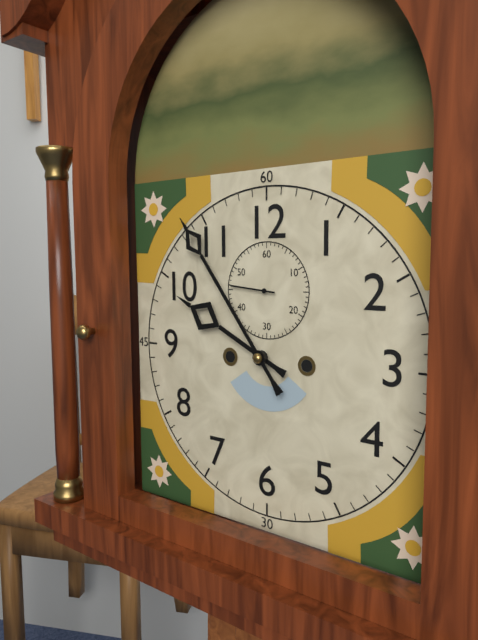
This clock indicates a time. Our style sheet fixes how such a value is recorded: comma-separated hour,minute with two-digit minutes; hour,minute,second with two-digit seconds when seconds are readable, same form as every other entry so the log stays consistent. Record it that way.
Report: 9,54
